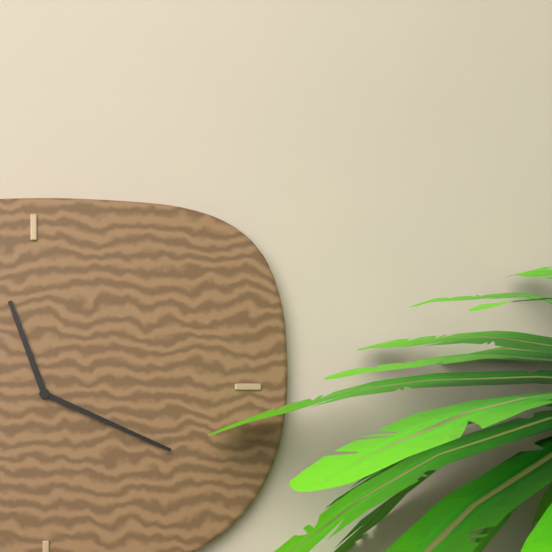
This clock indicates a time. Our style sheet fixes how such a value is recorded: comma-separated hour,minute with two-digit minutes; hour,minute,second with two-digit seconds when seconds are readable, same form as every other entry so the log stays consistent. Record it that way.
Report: 11,19
